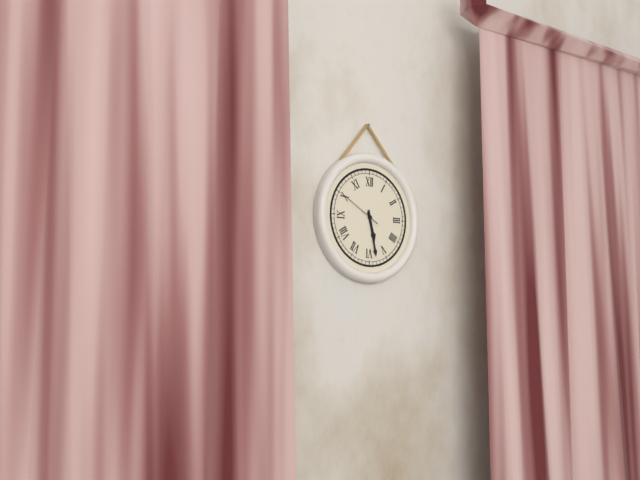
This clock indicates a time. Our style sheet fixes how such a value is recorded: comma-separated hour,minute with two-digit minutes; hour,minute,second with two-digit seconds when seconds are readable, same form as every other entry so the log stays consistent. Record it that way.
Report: 5,28
